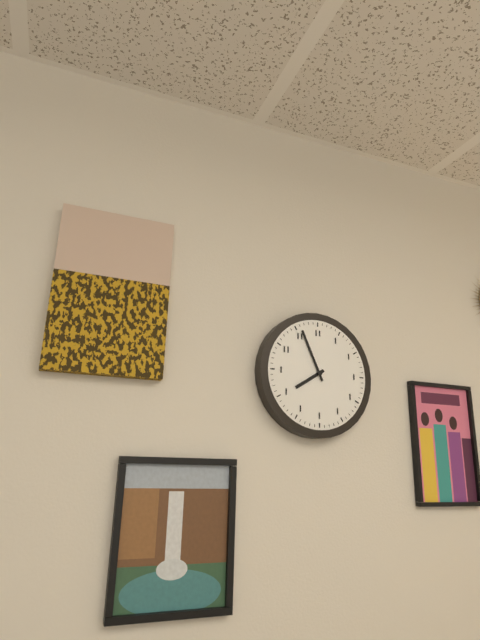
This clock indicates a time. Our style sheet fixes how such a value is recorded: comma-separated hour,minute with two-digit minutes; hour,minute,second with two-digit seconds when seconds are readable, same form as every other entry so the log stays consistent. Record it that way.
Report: 7,56
